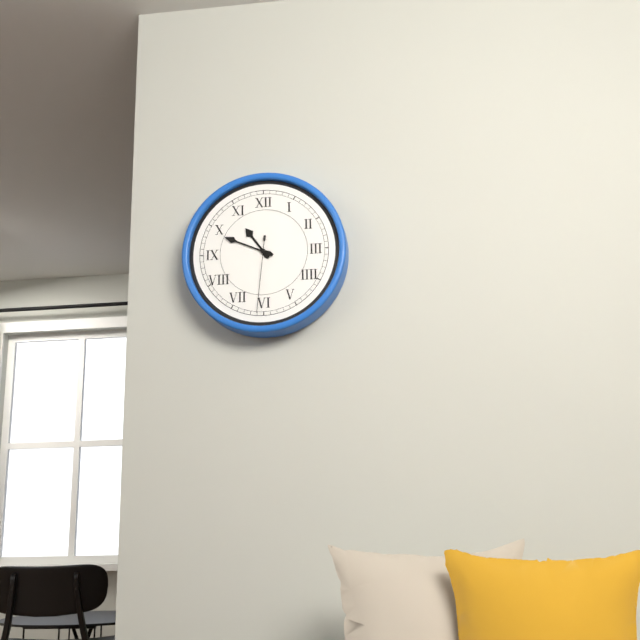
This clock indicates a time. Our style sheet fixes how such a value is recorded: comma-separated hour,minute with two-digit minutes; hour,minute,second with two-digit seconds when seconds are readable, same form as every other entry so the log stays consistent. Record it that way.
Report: 10,49,31
